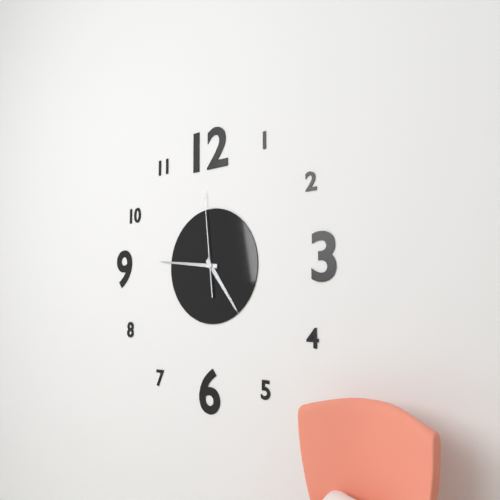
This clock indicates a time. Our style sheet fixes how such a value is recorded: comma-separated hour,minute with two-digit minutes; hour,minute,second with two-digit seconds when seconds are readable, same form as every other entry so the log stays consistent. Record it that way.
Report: 4,46,59
